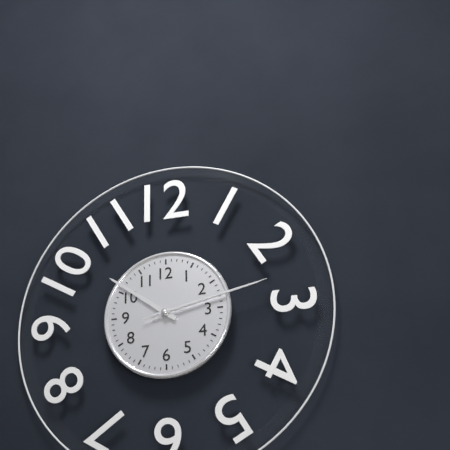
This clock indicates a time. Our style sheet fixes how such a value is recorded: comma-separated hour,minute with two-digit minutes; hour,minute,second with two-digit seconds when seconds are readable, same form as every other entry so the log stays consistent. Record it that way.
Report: 10,13,13
